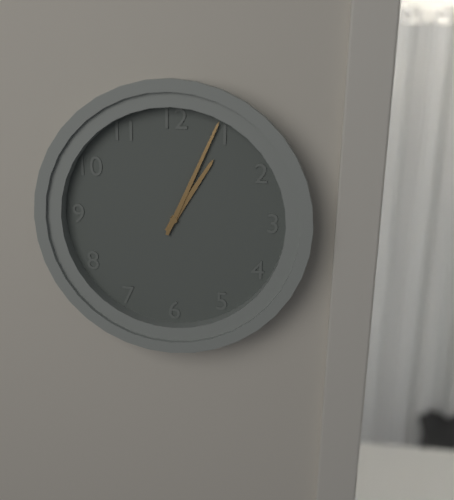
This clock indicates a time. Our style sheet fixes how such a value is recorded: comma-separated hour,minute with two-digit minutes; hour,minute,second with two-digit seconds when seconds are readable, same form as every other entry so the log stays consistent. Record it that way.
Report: 1,04
